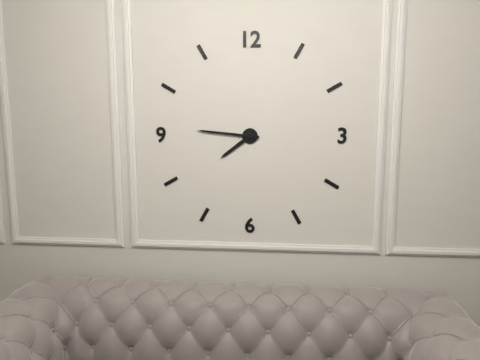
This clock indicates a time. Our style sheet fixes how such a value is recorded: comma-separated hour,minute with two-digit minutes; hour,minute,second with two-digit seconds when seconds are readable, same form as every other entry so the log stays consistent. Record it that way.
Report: 7,46
